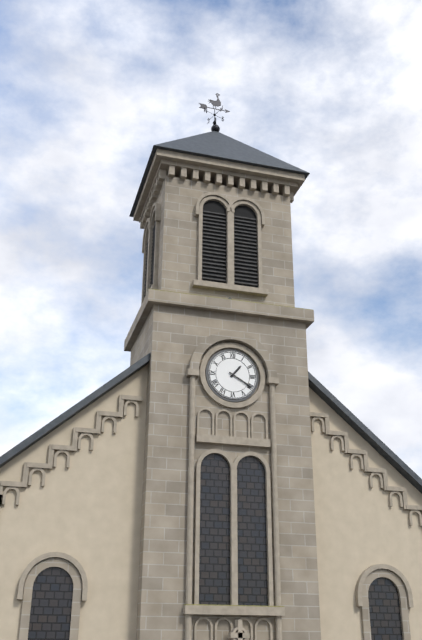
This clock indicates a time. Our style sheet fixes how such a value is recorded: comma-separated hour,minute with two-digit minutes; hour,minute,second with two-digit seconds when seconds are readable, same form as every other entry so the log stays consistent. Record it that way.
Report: 1,20
